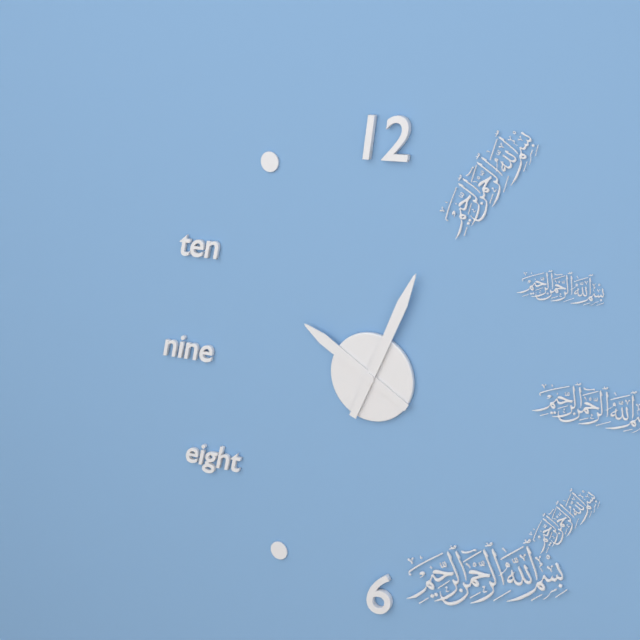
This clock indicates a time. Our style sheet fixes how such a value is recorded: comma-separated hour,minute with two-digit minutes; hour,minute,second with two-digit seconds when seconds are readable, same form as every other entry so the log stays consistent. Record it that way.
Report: 10,04
